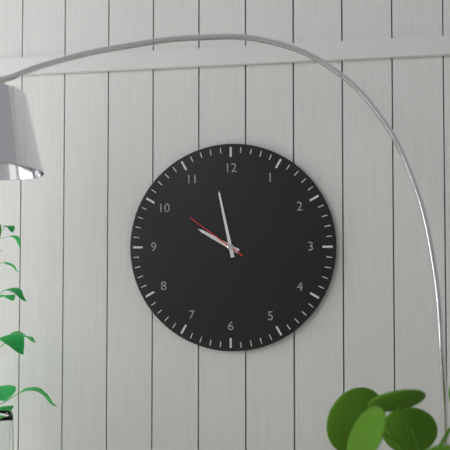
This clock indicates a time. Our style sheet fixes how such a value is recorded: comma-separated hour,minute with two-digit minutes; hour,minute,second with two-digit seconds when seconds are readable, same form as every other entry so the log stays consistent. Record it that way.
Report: 9,58,51
